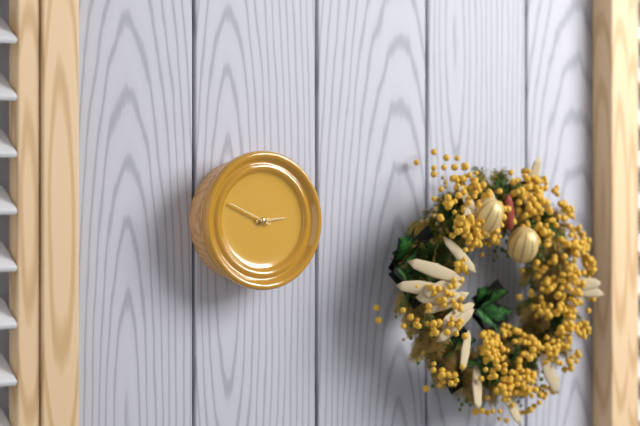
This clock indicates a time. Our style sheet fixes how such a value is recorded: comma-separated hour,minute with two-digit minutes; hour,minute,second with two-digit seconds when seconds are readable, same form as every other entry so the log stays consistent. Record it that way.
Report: 2,49
